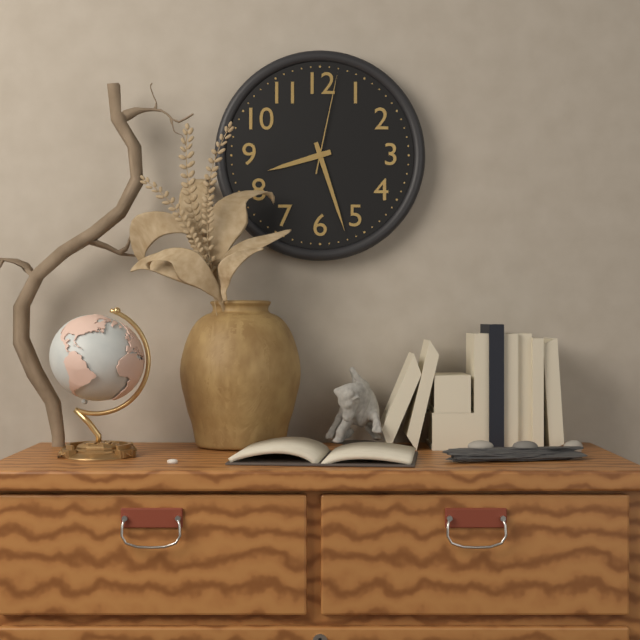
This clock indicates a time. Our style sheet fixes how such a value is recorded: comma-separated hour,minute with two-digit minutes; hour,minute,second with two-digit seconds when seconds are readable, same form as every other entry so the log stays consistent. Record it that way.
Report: 8,27,02
